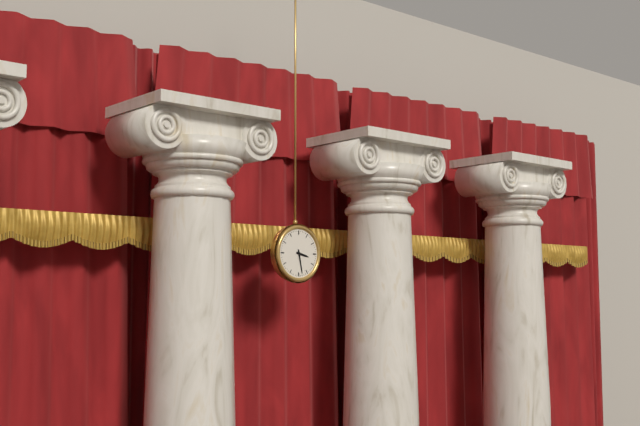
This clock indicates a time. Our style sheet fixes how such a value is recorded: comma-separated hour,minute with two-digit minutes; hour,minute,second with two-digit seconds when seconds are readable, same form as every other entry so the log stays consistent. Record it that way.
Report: 3,28
